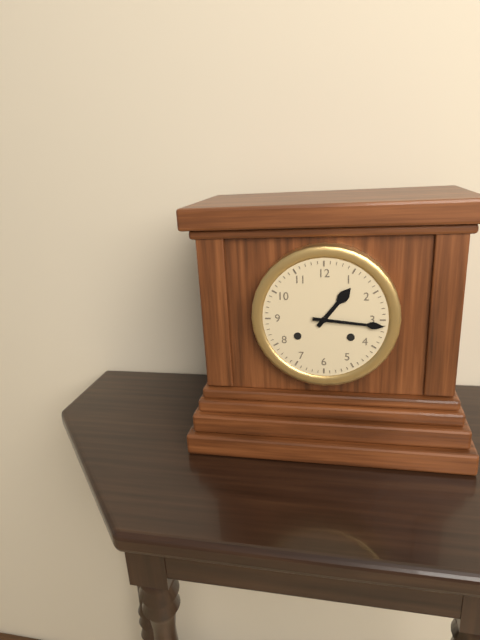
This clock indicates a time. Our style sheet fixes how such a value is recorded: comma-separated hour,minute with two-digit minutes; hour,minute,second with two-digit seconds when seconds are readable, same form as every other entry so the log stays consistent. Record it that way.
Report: 1,16
